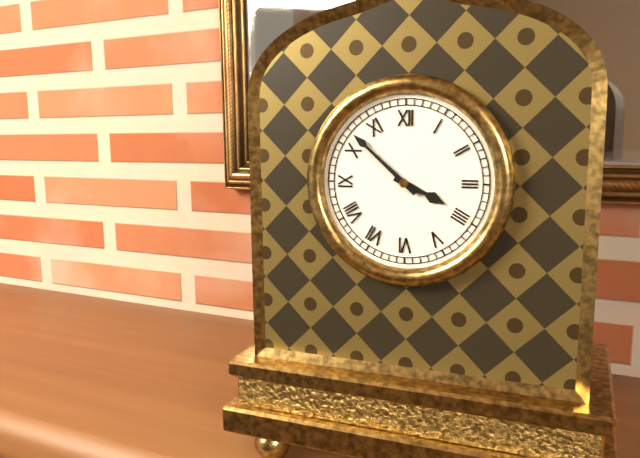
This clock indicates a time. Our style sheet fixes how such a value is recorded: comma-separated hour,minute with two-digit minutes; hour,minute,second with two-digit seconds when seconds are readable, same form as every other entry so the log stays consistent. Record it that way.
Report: 3,52
